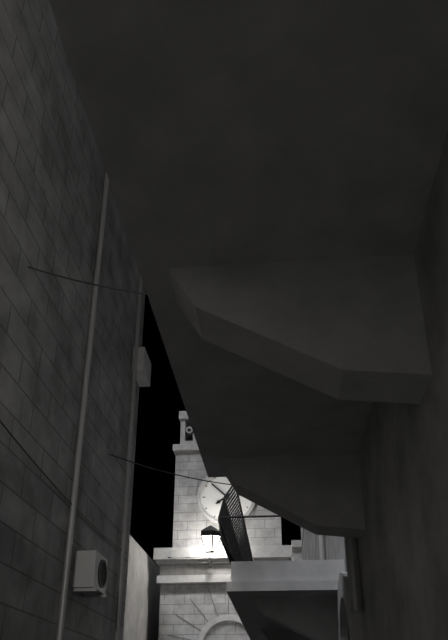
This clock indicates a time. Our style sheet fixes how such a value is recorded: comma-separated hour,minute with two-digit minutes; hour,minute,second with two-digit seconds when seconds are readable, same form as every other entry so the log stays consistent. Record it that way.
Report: 7,52
